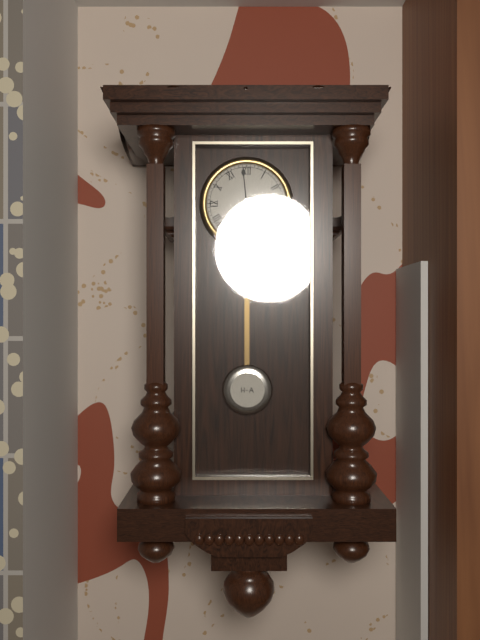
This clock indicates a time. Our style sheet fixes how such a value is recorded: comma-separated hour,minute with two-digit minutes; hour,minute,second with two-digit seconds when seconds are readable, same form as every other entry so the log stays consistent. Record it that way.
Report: 2,59
